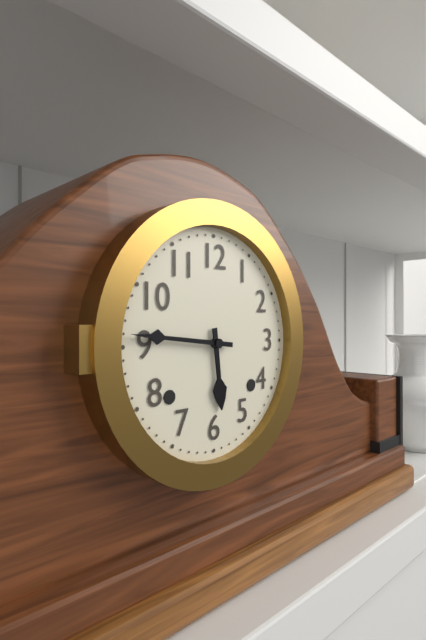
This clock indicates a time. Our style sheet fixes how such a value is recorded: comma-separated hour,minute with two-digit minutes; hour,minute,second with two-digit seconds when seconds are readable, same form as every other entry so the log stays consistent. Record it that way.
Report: 5,46
